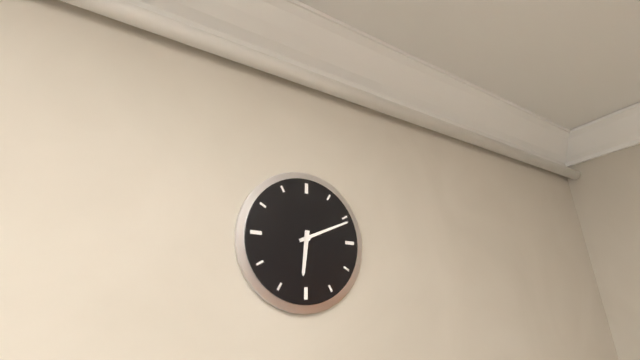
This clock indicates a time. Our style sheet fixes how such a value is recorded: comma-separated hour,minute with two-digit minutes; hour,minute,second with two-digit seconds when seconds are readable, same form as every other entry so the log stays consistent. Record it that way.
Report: 6,11
